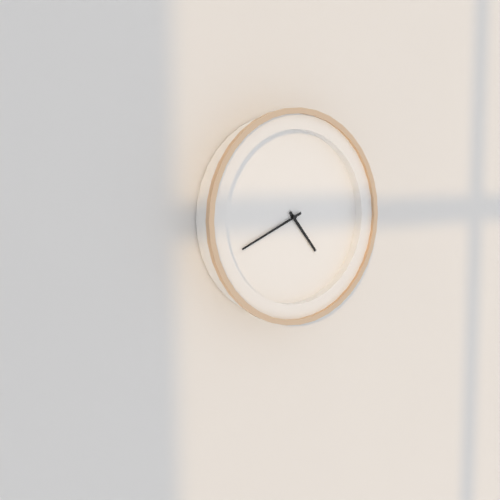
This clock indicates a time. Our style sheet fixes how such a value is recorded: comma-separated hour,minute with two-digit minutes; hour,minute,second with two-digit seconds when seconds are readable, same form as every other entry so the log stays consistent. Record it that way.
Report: 4,41
